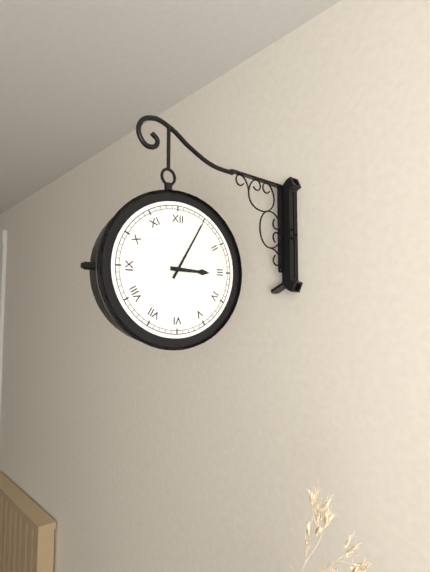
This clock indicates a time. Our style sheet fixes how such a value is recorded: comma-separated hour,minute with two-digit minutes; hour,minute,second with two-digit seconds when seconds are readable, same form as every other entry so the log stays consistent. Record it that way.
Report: 3,05
